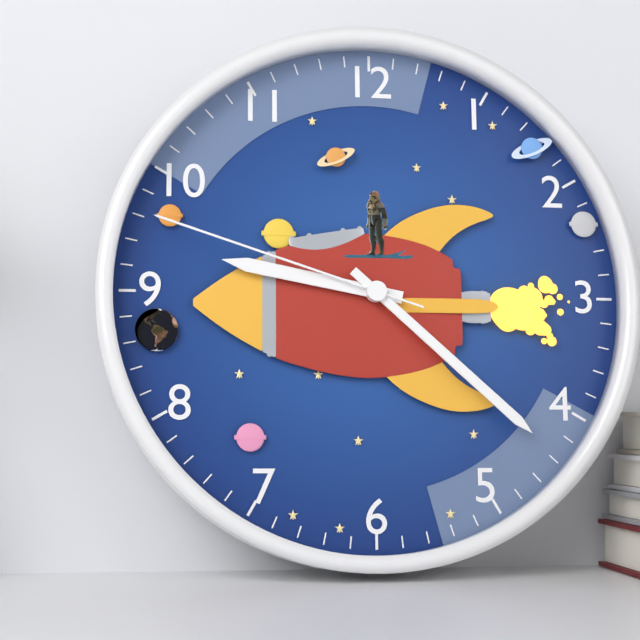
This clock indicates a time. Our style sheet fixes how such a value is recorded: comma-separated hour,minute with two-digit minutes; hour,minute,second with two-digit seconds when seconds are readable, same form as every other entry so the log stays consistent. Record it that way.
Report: 9,22,48
